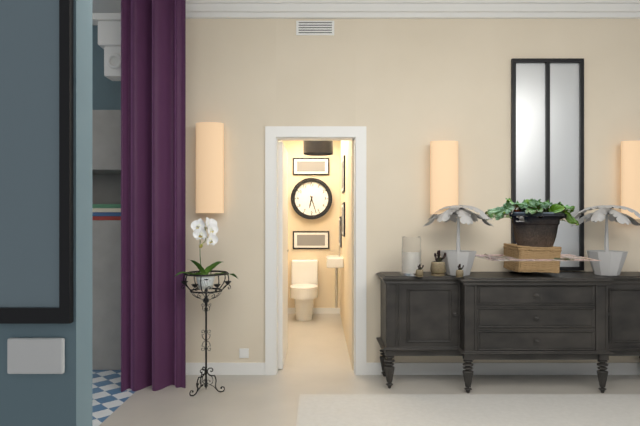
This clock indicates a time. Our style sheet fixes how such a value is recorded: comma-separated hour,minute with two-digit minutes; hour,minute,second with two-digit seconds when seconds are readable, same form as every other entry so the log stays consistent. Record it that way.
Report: 6,27
